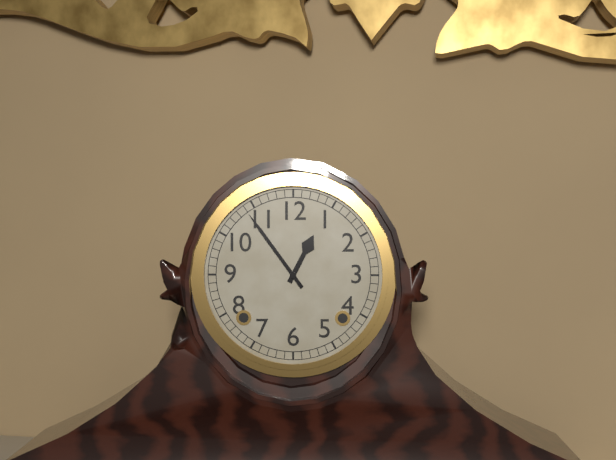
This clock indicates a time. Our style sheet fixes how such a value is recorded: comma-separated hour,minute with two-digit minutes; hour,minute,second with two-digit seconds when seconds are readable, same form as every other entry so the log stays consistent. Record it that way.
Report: 12,54
